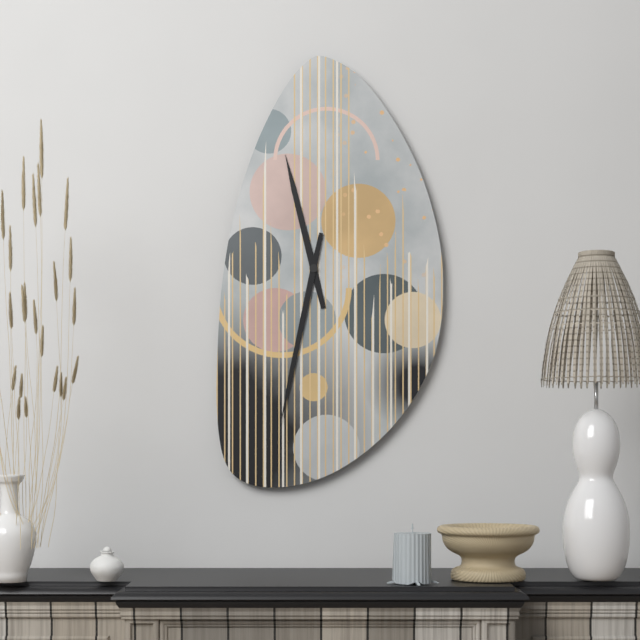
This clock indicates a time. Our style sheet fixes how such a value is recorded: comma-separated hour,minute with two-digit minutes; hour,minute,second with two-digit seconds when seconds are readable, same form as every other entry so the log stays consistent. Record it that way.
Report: 11,32
